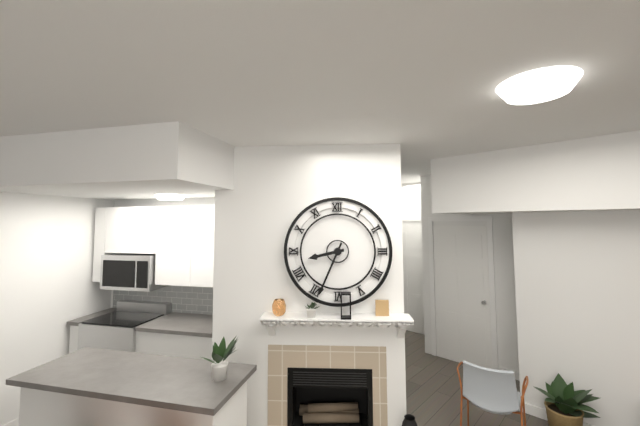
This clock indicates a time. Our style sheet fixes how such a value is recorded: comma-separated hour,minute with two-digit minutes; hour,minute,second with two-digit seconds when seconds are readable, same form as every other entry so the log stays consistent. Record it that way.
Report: 8,34
